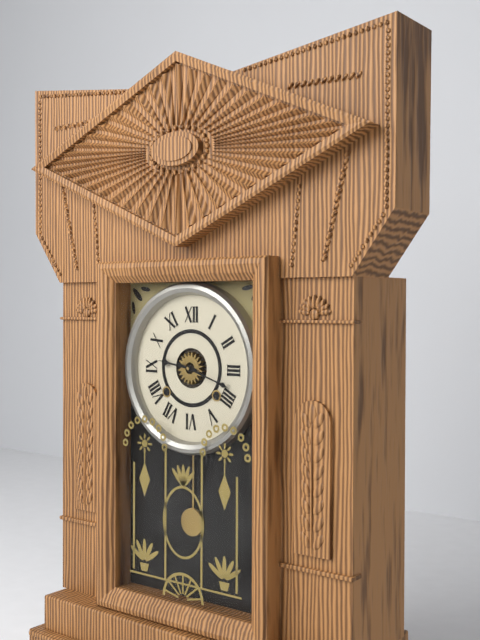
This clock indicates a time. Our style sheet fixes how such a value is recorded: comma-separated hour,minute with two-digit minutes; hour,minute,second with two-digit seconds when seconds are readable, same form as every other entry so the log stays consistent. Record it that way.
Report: 9,18
